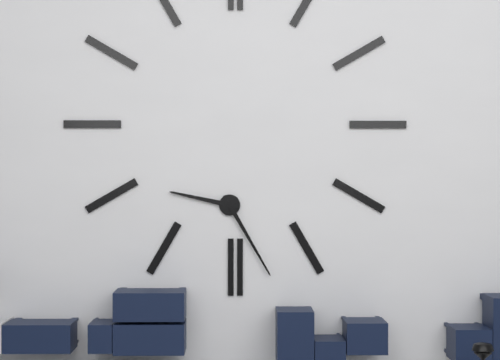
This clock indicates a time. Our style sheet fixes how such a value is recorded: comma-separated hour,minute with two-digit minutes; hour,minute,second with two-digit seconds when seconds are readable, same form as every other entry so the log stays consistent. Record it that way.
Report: 9,25
